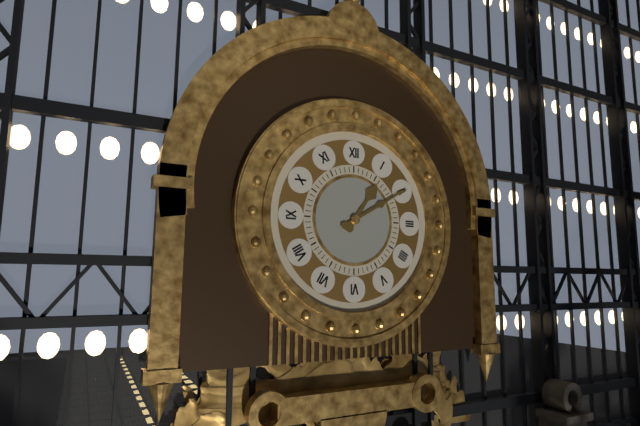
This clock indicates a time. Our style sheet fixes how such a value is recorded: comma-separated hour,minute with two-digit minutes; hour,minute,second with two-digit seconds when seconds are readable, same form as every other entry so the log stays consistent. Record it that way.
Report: 1,10
